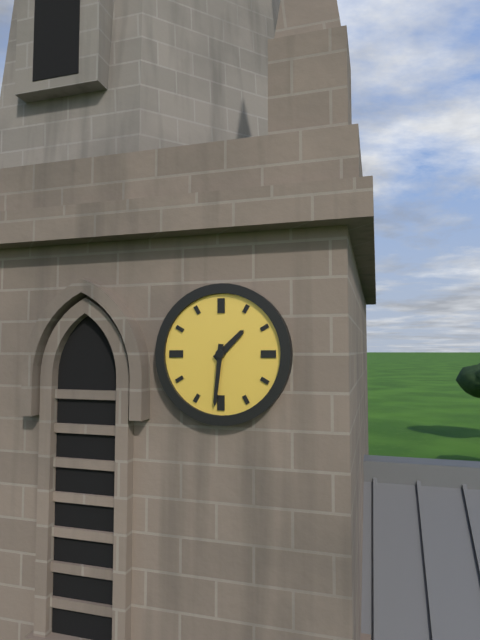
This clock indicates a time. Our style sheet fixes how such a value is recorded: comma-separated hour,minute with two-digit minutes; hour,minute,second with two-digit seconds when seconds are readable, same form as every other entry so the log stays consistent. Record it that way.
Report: 1,31
